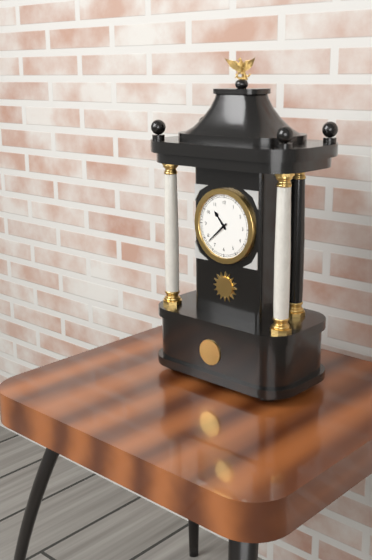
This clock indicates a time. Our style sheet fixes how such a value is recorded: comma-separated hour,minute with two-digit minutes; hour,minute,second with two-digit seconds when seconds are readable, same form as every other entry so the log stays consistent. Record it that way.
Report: 10,38
